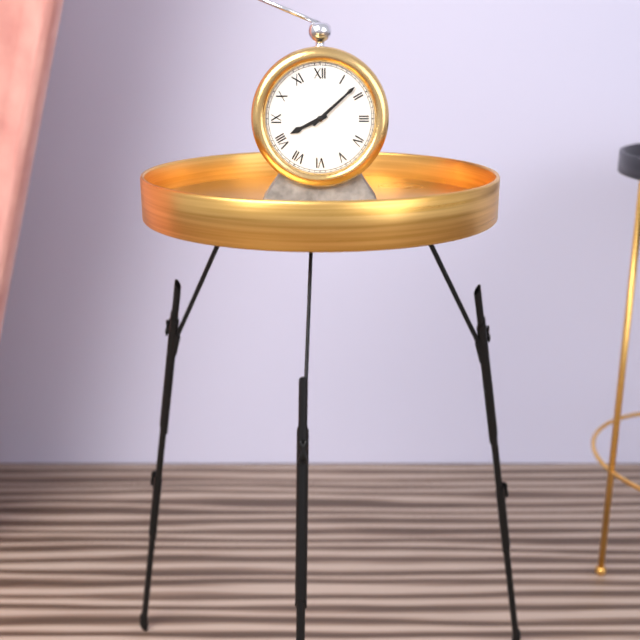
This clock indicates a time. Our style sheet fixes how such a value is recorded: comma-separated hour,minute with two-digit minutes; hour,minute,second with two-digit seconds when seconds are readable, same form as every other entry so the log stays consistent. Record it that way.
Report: 8,08
